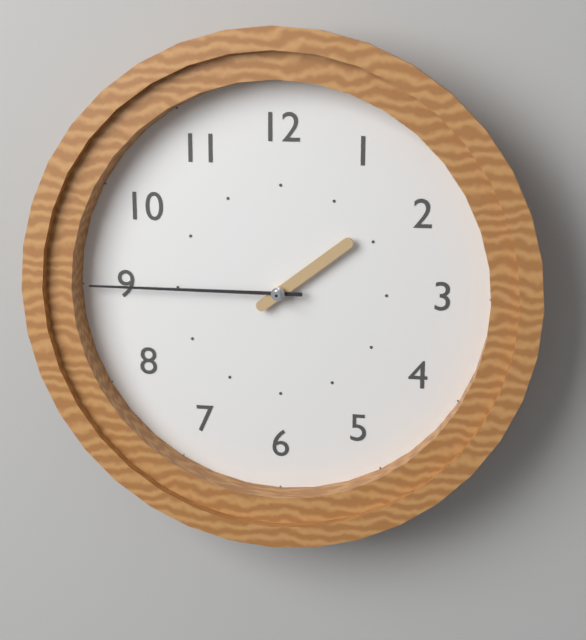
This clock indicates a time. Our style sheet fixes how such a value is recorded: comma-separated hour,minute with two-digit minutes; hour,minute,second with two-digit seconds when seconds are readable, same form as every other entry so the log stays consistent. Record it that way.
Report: 1,45
